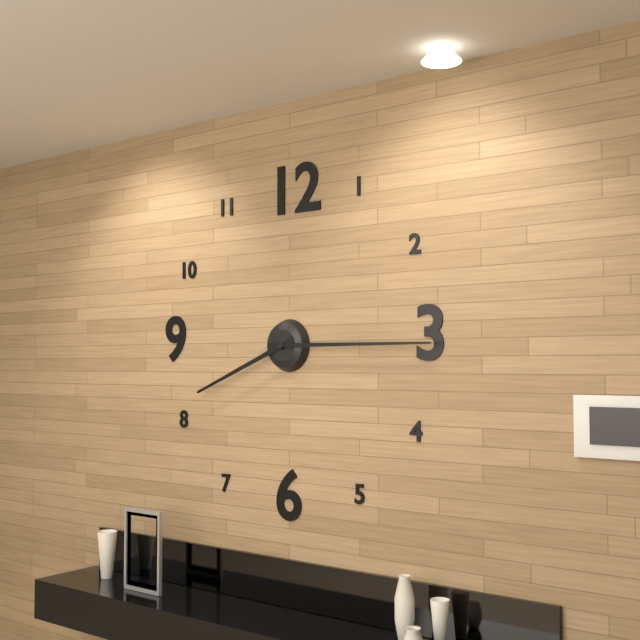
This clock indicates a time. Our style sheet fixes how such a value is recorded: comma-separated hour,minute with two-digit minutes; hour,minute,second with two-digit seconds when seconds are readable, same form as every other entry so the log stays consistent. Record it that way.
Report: 8,15
